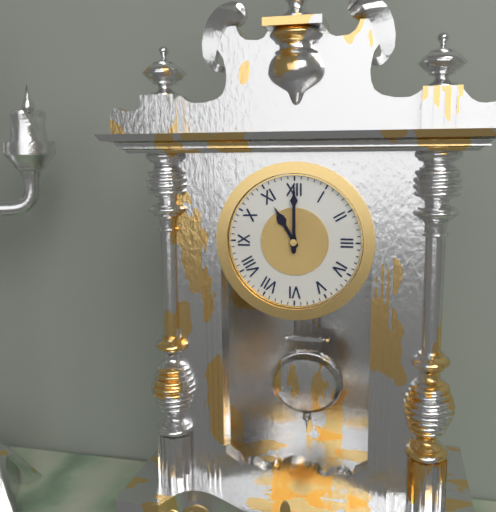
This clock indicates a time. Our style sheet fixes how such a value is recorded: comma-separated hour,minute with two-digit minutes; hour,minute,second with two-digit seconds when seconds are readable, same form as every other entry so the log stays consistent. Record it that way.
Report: 11,00
